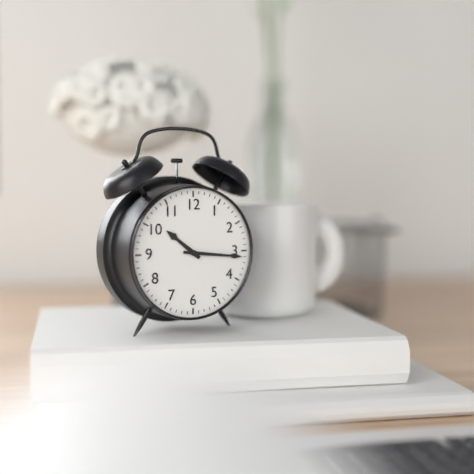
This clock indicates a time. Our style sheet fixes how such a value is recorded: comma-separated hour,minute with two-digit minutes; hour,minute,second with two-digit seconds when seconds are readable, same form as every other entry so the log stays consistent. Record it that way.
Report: 10,16
